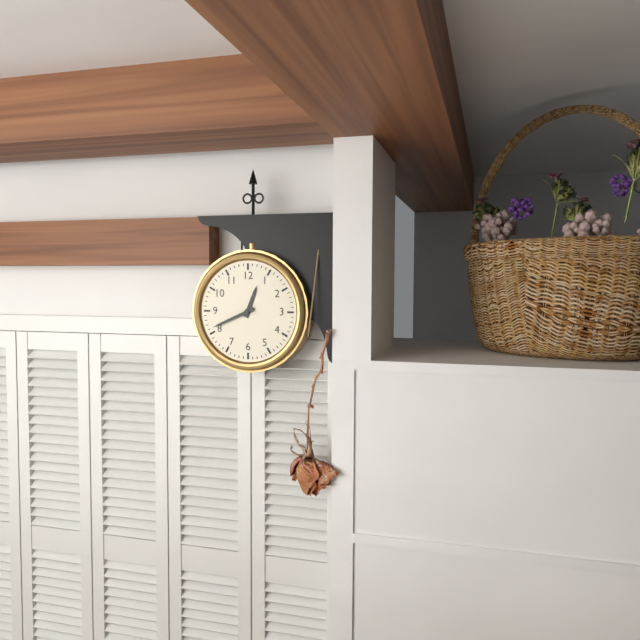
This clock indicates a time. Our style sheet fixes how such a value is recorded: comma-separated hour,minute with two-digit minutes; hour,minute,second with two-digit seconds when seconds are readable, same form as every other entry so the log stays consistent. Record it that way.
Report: 12,41
